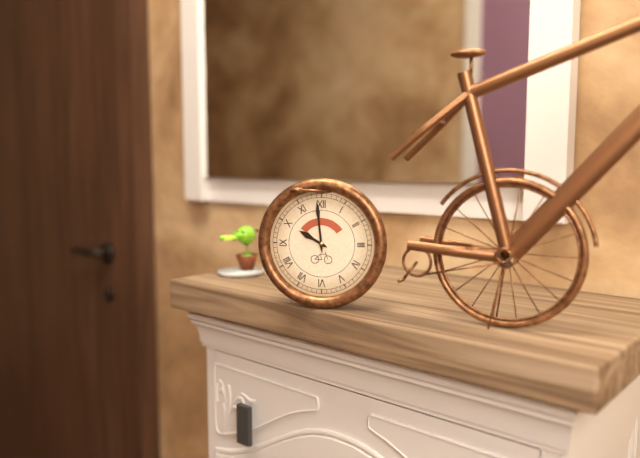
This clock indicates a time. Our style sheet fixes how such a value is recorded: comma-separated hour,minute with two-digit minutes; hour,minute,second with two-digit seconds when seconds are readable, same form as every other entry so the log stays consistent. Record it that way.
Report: 9,59
